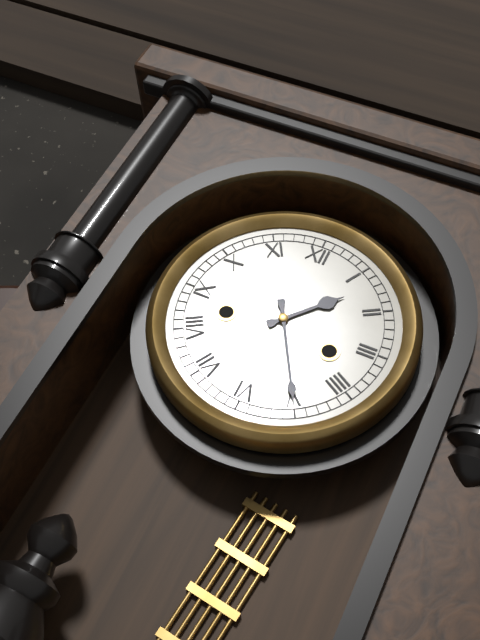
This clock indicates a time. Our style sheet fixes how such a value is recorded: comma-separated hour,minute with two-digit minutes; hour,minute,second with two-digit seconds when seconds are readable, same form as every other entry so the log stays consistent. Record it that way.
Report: 1,25
